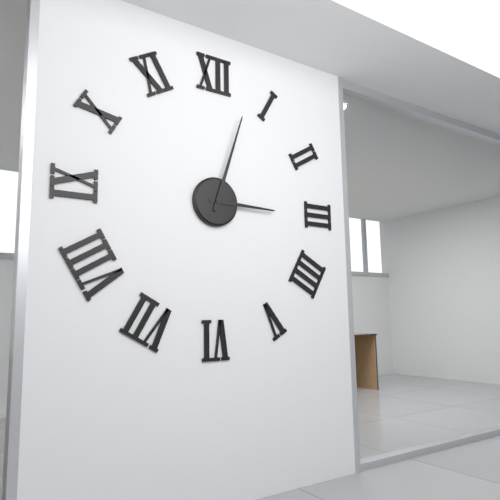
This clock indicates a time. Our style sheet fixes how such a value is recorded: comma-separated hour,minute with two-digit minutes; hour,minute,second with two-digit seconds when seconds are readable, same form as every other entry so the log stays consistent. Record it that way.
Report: 3,03
